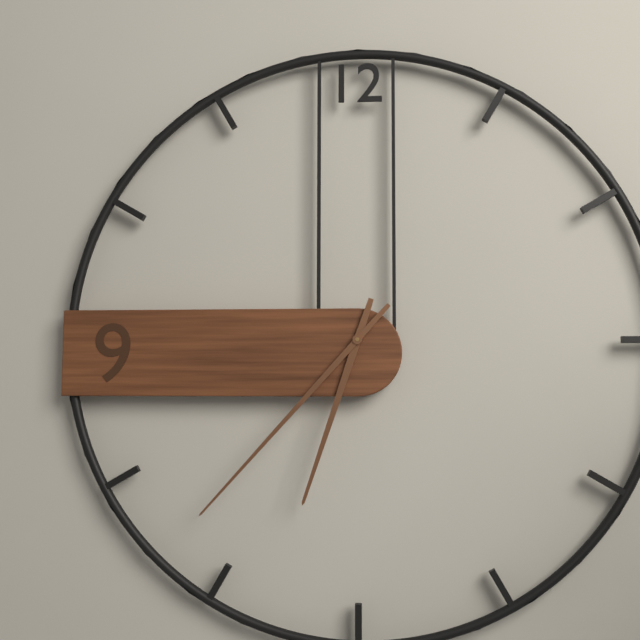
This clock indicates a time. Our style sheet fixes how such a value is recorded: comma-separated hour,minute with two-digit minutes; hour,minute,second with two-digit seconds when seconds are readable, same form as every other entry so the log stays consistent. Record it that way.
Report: 6,37
